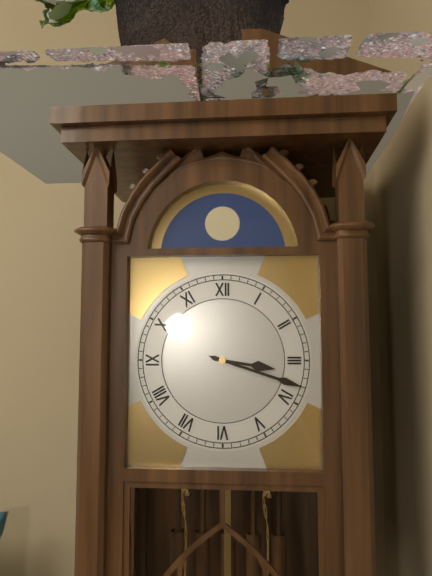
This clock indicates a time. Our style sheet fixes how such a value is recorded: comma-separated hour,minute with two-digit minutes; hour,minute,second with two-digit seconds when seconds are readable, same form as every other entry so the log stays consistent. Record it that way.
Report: 3,18
